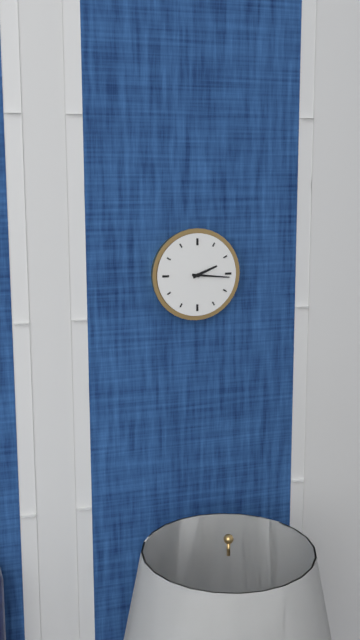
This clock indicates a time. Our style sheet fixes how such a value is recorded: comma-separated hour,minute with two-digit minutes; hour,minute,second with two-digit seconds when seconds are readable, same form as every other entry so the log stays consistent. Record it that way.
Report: 2,16
